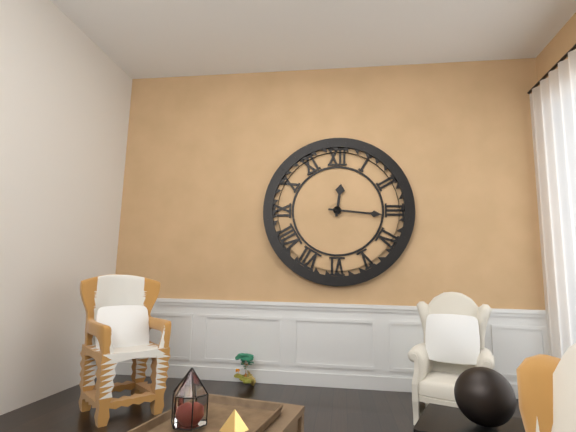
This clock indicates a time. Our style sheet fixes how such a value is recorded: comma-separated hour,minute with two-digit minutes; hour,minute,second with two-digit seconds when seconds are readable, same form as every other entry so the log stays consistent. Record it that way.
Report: 12,16
